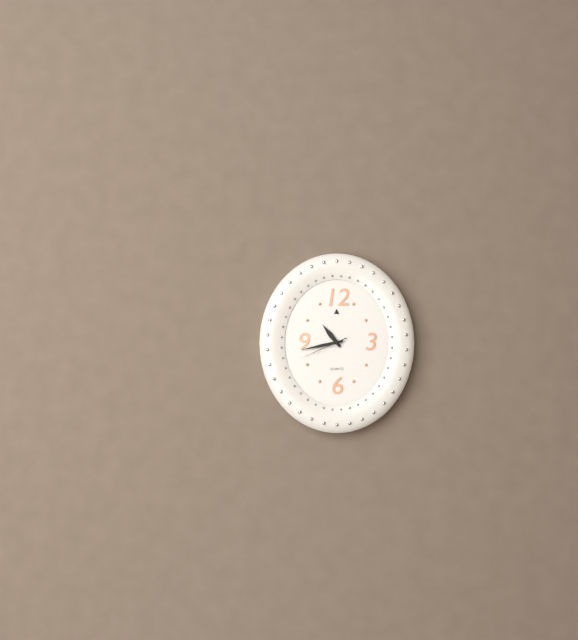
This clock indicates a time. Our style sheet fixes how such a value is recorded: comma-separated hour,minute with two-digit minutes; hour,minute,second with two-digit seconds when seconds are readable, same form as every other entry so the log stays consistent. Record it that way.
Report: 10,43,41
